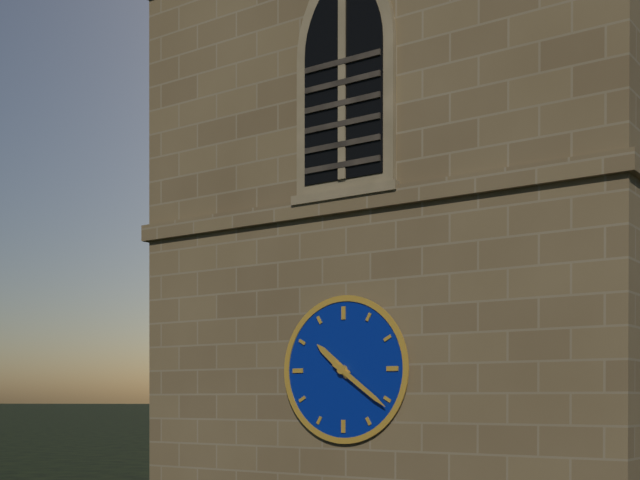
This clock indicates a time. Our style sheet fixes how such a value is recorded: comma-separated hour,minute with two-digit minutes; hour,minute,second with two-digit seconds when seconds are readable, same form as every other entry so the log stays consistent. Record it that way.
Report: 10,21
